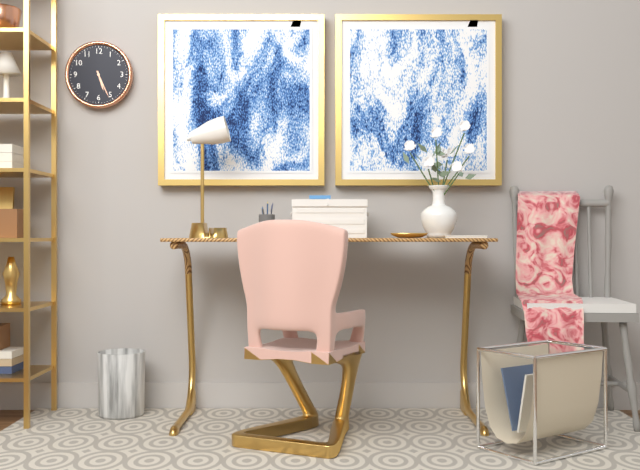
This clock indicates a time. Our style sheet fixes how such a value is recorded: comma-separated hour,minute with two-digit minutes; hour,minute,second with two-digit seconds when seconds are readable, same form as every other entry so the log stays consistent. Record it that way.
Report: 5,26
